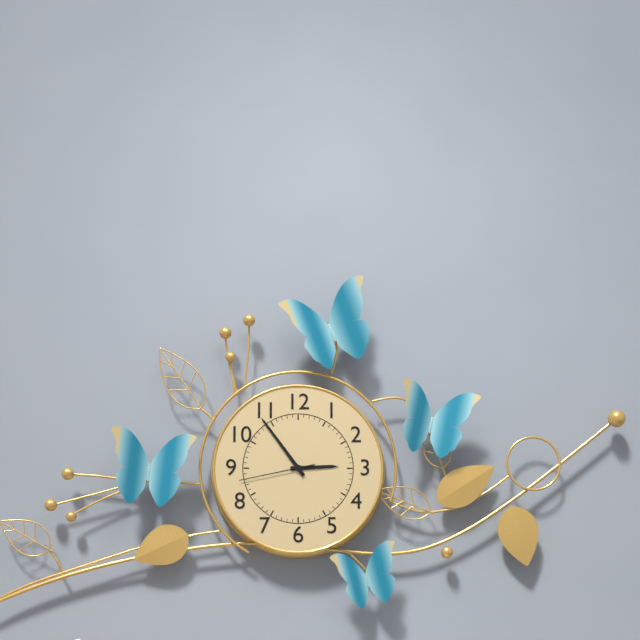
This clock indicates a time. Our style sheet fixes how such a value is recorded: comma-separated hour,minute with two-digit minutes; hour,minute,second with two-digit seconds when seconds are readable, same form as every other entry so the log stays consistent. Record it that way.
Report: 2,54,43
